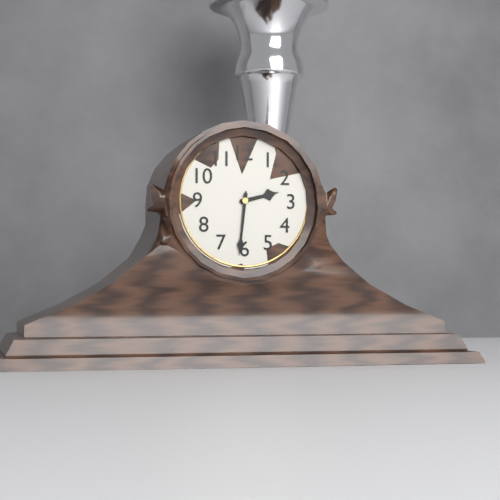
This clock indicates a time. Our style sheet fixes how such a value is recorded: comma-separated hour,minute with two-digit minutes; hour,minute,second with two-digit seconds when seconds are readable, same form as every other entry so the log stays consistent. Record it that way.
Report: 2,31
